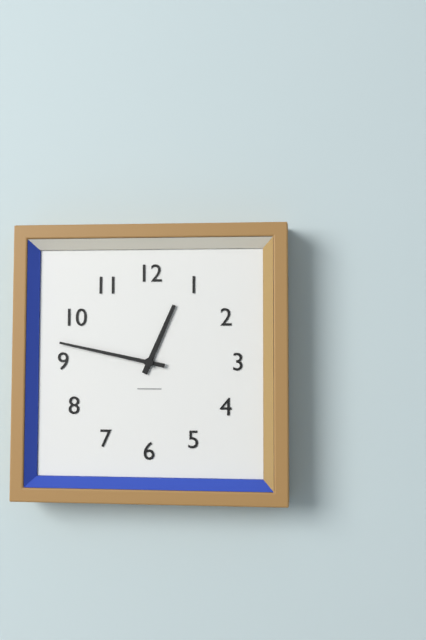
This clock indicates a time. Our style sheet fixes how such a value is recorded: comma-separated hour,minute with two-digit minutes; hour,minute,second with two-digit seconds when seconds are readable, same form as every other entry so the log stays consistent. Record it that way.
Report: 12,47
